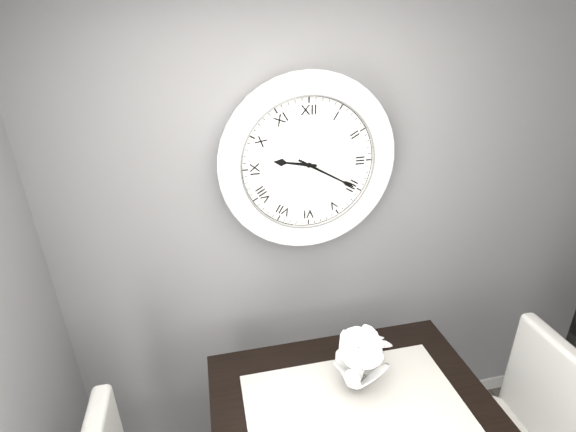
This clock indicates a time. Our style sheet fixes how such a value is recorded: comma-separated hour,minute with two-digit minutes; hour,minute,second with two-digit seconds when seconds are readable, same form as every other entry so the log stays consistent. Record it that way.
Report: 9,20
